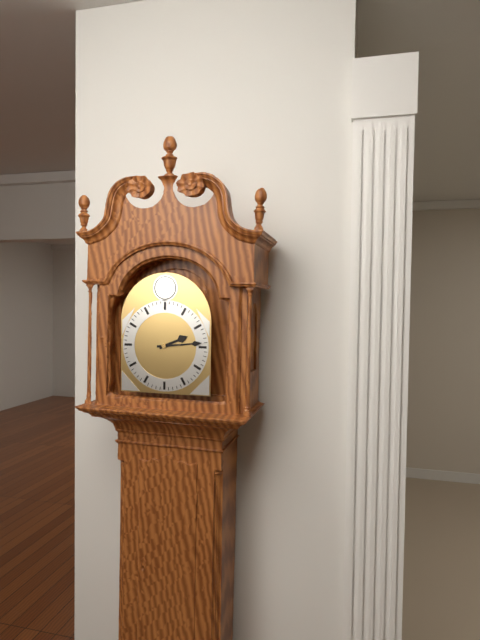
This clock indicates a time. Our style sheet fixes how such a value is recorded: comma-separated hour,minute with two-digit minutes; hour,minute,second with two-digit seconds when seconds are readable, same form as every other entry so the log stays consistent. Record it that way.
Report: 2,14
